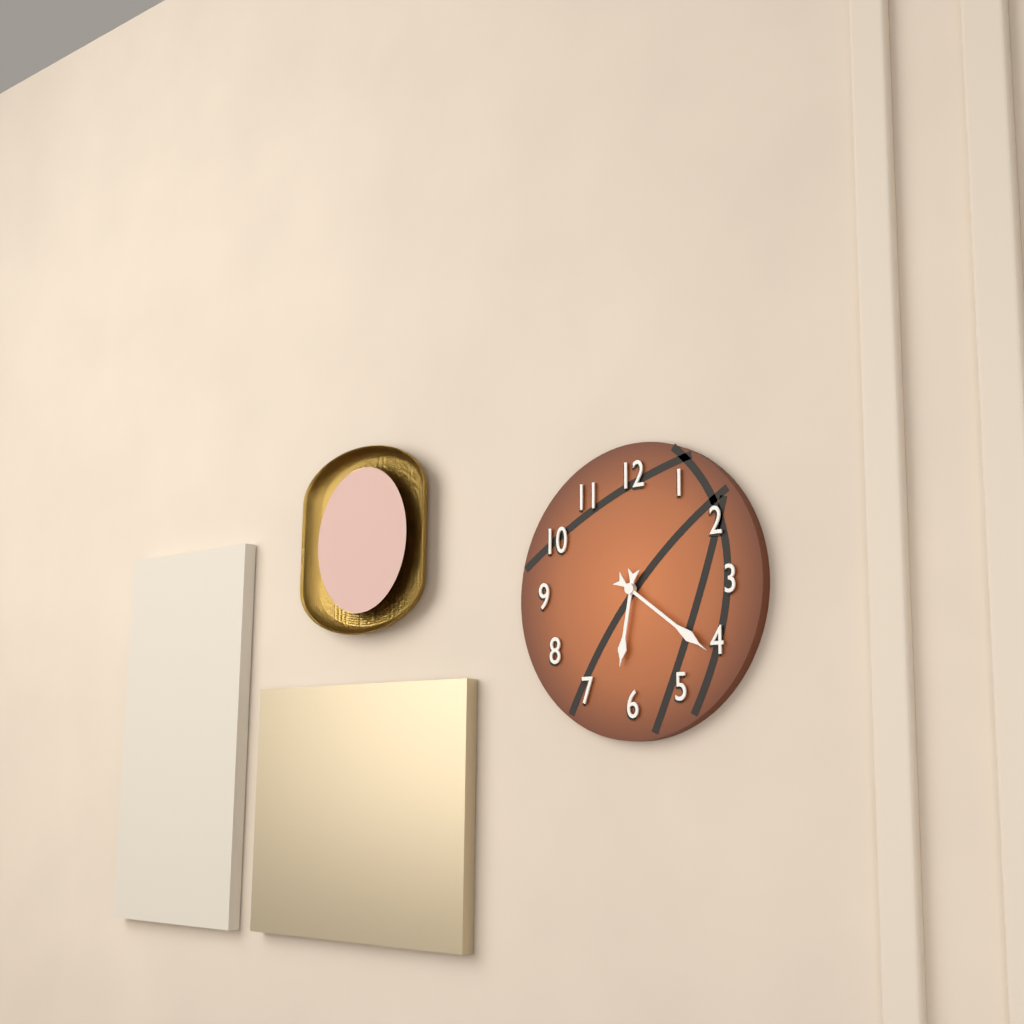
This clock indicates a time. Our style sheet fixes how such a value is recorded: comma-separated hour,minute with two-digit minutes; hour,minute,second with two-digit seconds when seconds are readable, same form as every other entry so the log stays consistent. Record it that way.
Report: 6,21
